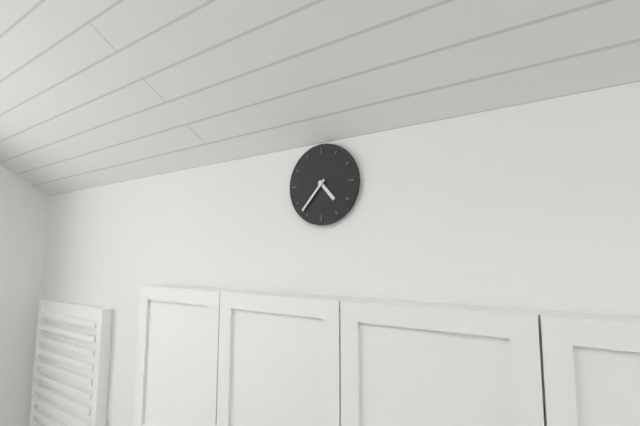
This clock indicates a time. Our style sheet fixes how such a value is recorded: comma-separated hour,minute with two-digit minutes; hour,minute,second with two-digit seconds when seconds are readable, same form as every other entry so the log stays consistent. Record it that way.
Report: 4,37
